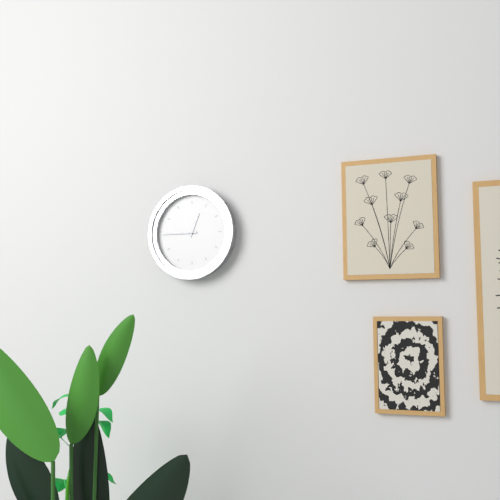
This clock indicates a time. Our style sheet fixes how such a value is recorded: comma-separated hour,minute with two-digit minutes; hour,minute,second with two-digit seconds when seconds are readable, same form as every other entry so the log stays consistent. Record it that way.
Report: 12,45
